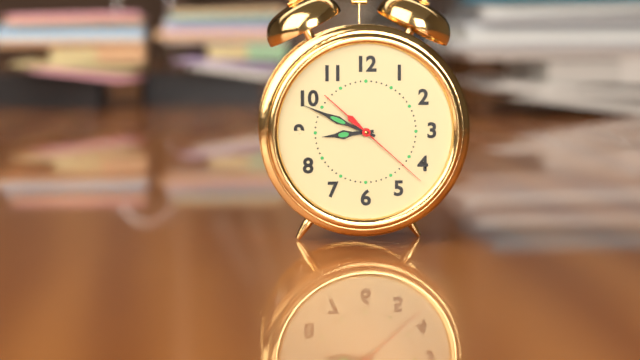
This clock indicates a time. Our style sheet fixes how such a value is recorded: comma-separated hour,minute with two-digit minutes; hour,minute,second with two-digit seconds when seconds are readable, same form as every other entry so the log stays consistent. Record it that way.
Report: 8,49,22
